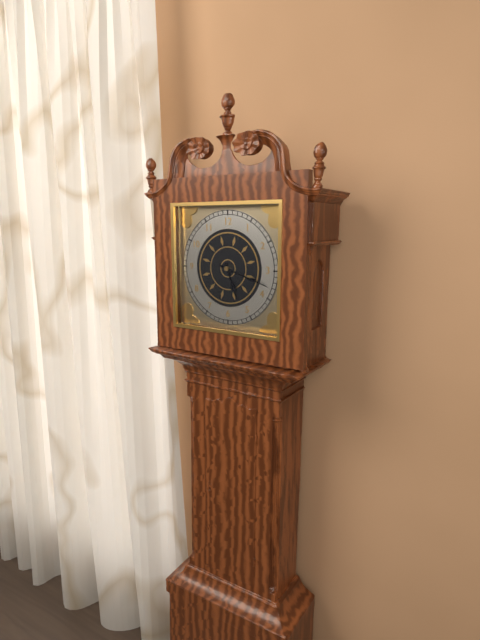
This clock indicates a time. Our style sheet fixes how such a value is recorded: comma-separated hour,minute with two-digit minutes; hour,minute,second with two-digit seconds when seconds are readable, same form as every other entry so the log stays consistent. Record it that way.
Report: 5,18
